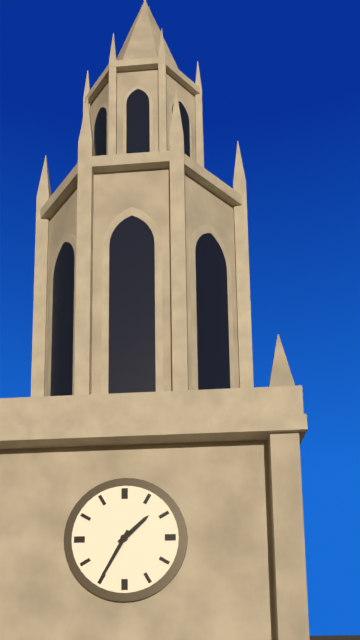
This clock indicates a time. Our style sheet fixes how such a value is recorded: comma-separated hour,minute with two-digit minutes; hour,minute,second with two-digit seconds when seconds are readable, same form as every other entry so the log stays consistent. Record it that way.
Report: 1,35
